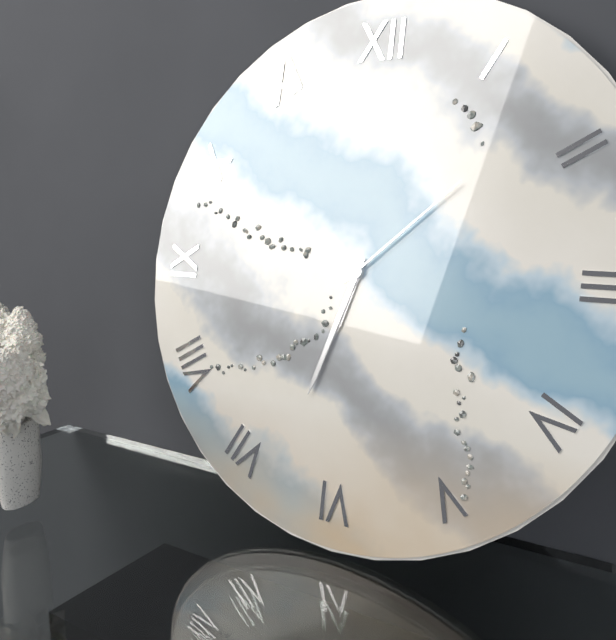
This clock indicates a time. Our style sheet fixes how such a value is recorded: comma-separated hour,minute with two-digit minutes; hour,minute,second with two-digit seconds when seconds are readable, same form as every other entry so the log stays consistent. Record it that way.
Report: 6,33,08
